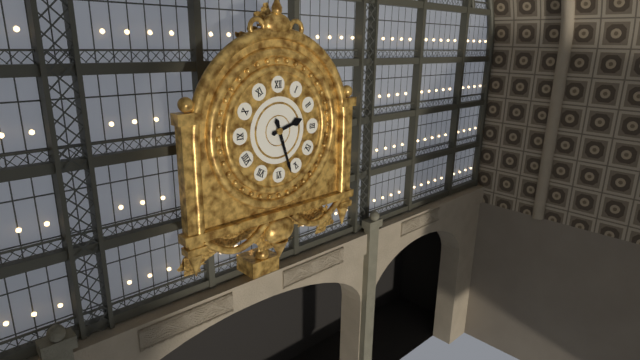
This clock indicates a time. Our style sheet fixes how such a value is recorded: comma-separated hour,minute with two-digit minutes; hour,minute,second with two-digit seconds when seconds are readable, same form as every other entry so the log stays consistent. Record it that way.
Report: 2,27
